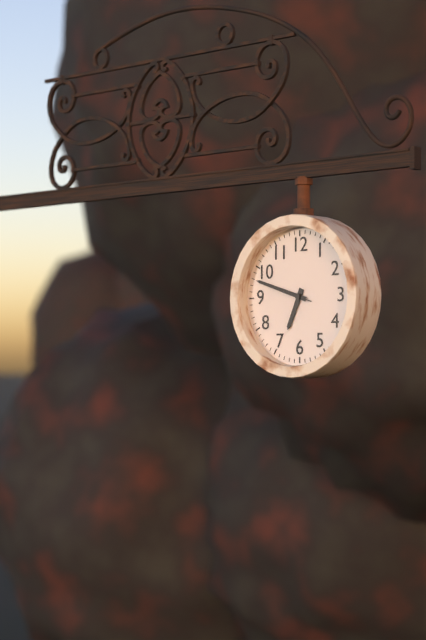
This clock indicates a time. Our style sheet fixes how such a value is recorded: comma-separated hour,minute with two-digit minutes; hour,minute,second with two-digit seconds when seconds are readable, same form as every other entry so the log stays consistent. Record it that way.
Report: 6,48,48
